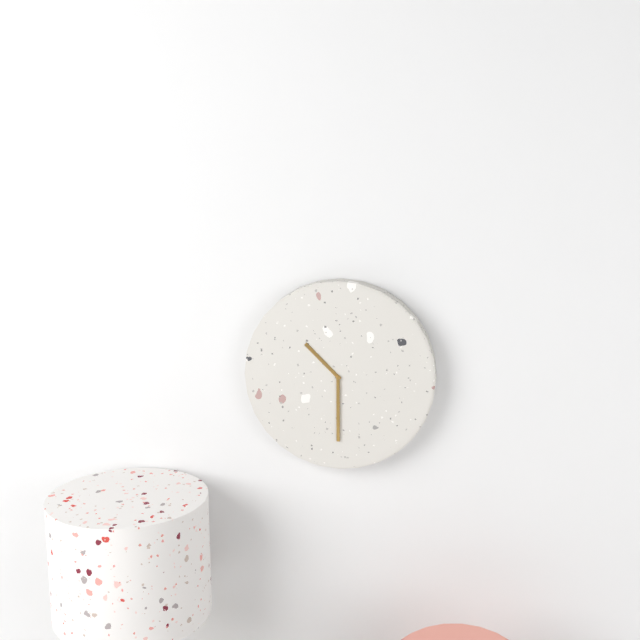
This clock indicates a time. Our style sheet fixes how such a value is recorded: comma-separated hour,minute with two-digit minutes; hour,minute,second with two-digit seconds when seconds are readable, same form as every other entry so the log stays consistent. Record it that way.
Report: 10,30
